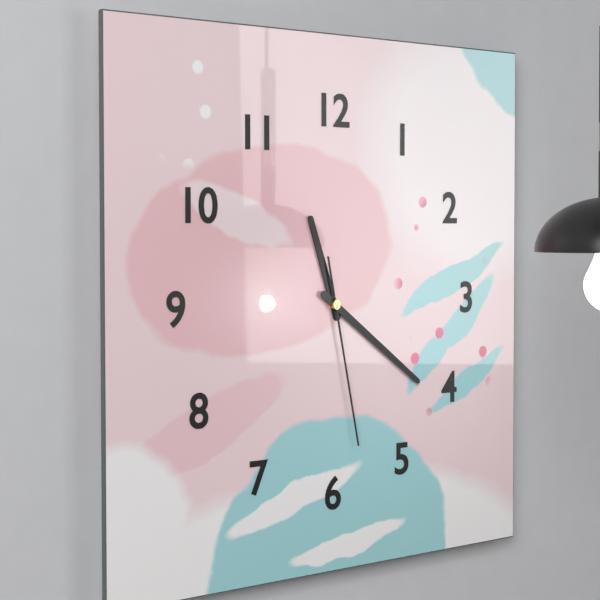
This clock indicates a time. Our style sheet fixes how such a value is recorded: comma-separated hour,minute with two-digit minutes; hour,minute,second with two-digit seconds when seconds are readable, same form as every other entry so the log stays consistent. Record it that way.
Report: 11,21,28
